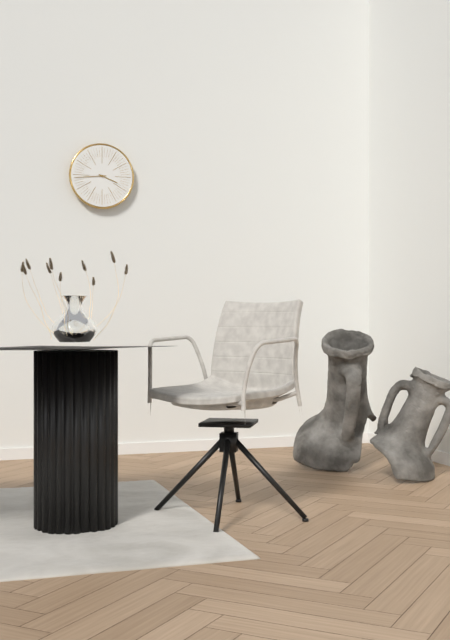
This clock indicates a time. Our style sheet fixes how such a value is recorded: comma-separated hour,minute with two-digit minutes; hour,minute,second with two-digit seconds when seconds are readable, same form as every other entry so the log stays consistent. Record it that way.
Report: 3,44
